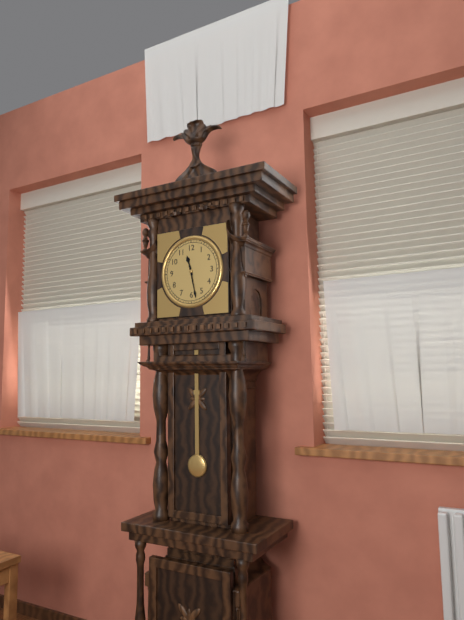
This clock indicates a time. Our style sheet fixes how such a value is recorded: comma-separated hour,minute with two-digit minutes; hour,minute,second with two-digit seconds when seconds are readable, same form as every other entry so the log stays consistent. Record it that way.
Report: 11,28
